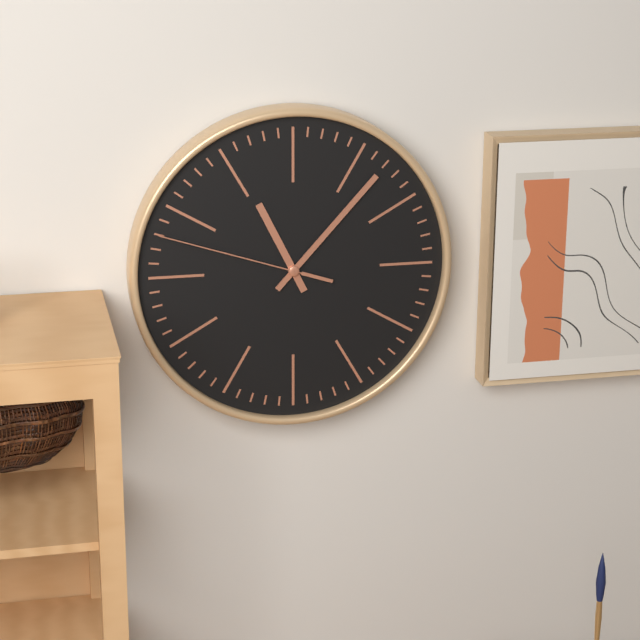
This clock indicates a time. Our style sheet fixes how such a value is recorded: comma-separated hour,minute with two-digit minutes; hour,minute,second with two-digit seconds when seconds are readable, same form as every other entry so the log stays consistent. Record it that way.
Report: 11,07,48
